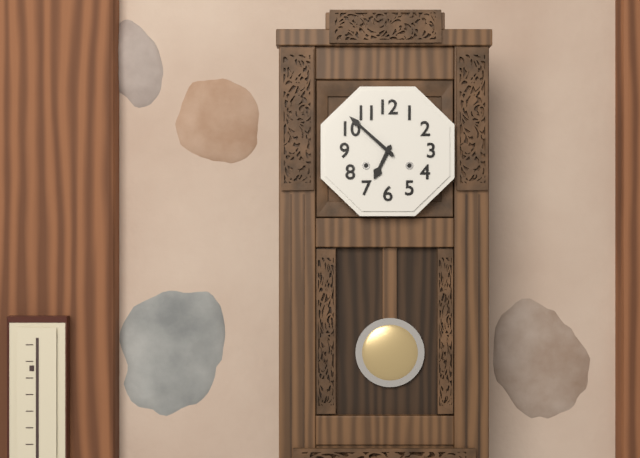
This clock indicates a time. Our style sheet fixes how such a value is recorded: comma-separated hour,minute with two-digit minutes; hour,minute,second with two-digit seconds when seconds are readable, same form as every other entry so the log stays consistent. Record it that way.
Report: 6,52
